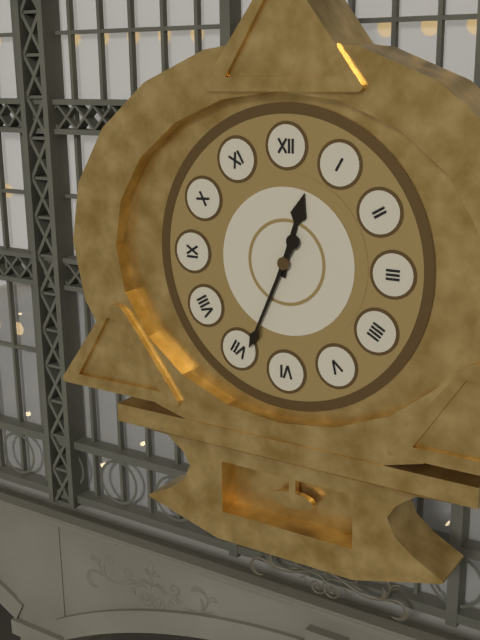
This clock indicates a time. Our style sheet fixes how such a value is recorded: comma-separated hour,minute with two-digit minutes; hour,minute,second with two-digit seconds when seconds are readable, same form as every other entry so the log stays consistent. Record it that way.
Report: 12,34
